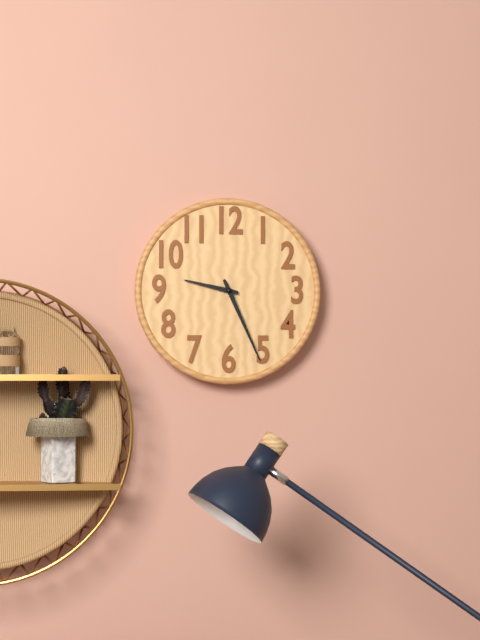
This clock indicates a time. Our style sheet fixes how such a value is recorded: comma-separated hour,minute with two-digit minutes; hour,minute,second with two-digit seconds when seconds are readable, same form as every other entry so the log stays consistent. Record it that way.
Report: 9,26
